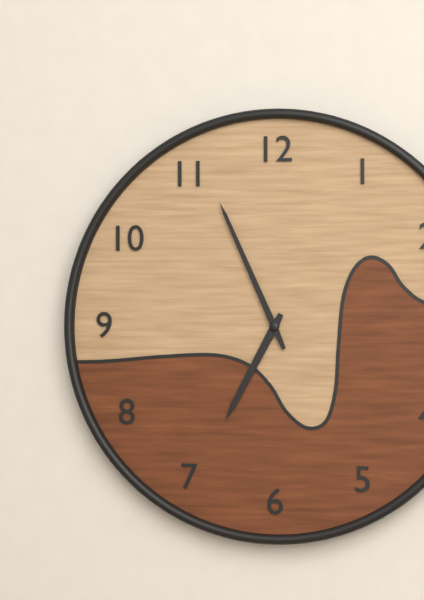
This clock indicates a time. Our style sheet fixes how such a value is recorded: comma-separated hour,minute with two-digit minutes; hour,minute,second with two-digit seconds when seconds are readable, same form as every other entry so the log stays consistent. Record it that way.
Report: 6,56
